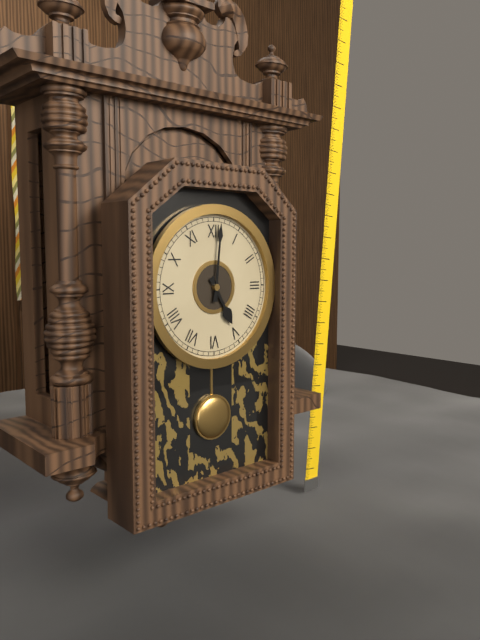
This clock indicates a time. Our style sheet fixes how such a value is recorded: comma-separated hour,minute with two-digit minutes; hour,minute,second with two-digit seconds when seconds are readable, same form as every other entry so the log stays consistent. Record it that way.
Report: 5,01
